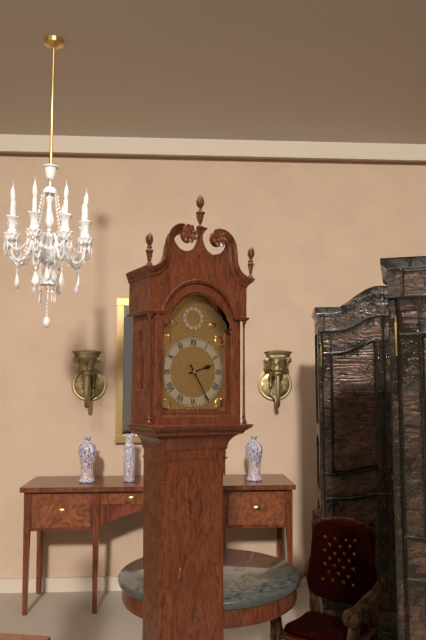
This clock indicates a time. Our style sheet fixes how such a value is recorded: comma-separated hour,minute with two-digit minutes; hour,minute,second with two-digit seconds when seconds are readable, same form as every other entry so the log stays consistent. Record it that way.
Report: 2,25
